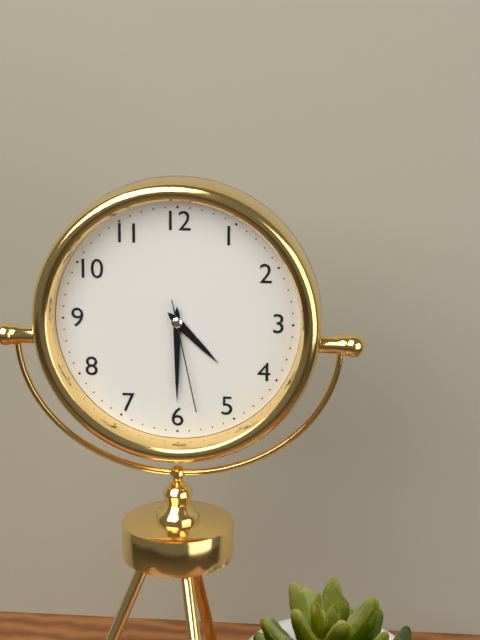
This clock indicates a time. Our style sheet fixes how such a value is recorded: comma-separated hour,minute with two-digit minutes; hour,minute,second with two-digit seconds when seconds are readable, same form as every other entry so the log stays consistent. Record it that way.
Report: 4,30,28
